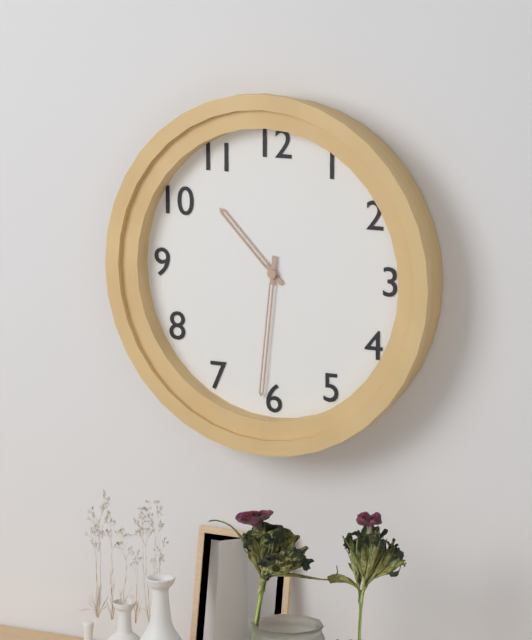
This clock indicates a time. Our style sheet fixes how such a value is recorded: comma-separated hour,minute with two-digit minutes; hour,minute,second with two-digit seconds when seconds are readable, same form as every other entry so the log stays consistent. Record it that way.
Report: 10,31
